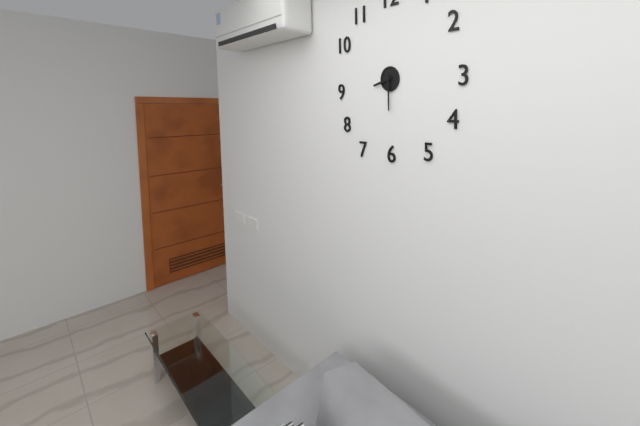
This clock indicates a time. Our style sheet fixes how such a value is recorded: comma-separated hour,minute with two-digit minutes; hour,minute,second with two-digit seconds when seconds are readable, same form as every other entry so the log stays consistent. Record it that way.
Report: 8,30
